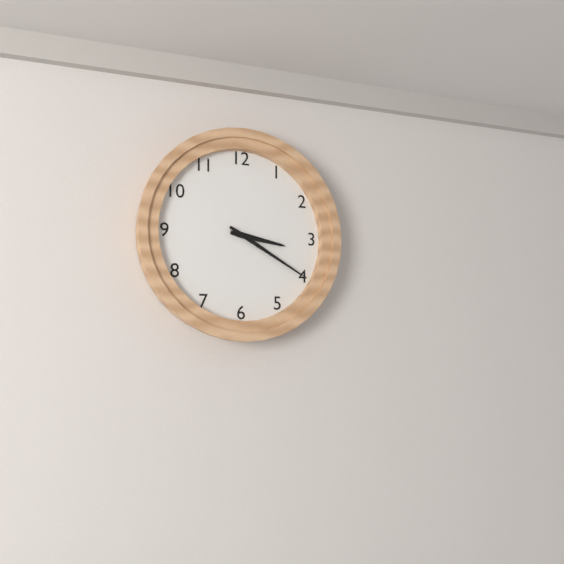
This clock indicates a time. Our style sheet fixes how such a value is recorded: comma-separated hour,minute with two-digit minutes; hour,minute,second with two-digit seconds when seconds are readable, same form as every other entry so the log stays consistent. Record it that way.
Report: 3,20
